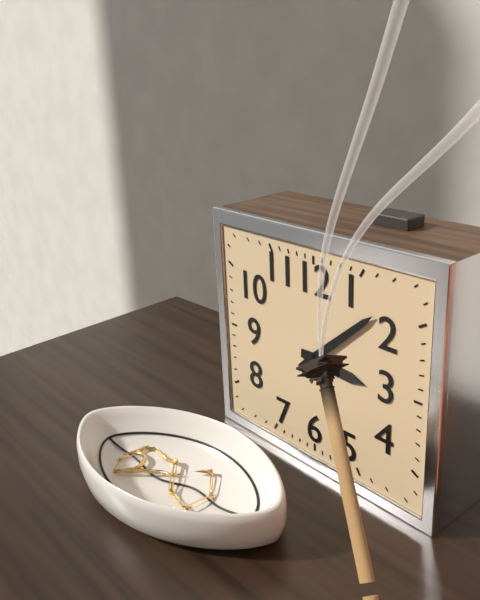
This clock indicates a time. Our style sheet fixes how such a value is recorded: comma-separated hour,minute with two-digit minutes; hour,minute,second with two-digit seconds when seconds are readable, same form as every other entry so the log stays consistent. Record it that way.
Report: 3,08
